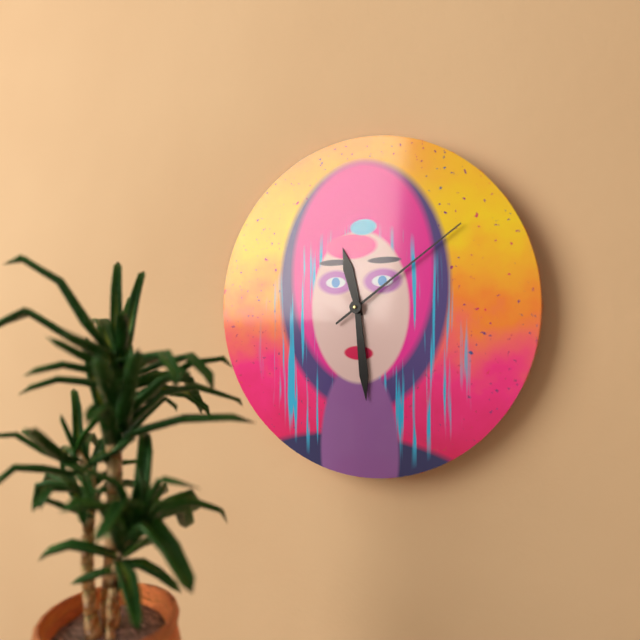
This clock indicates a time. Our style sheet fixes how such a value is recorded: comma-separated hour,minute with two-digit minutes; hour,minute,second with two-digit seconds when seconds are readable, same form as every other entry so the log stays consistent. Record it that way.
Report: 11,29,09
